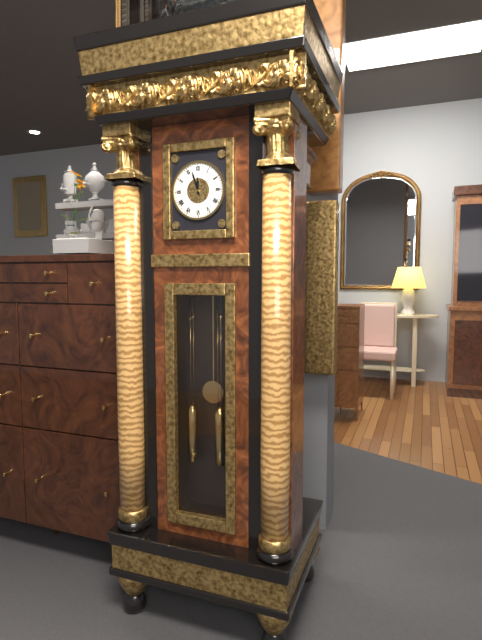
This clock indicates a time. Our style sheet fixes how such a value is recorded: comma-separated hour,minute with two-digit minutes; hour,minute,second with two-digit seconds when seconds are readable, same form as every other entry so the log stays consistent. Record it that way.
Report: 11,57
